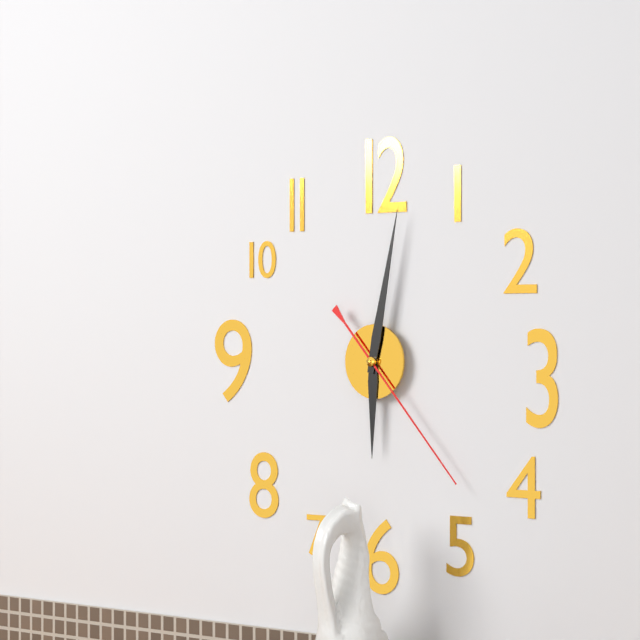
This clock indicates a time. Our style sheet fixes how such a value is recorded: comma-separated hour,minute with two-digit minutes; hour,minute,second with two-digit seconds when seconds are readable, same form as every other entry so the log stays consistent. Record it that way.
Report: 6,02,23
